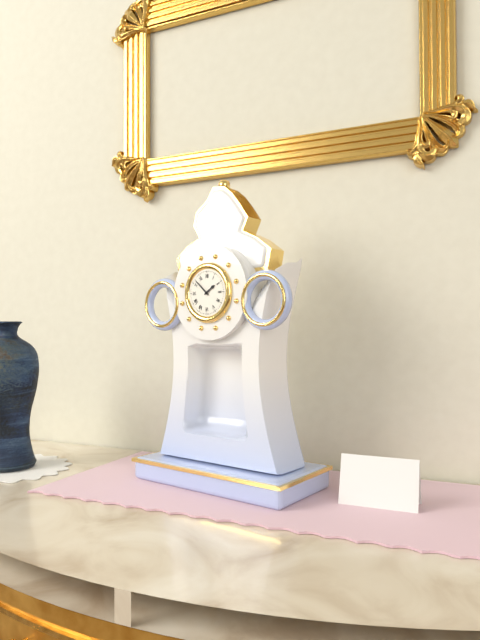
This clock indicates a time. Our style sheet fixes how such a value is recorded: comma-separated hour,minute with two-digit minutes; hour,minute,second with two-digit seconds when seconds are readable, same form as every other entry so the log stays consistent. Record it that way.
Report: 1,52
